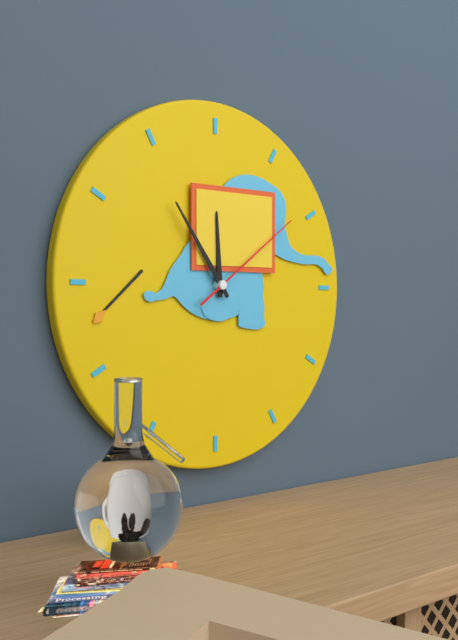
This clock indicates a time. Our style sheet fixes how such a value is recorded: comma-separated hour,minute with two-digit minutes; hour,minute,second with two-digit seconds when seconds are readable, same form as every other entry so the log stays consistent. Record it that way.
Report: 11,54,09
